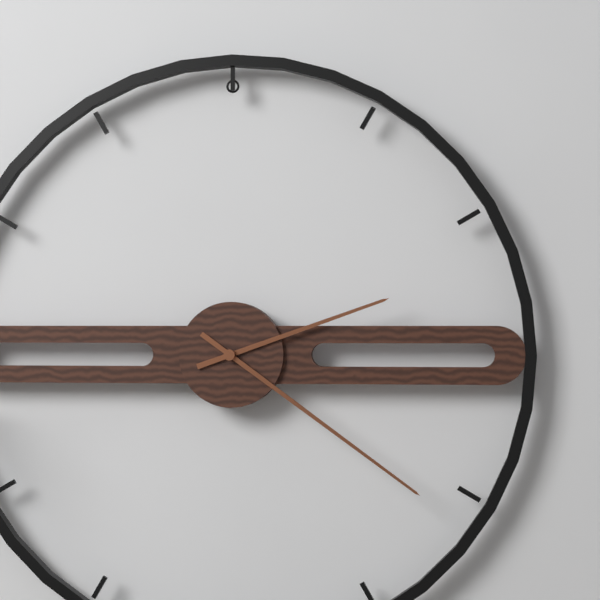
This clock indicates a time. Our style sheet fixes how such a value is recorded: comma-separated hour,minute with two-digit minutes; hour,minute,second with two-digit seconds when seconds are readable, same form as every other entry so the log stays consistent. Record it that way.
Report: 2,21
